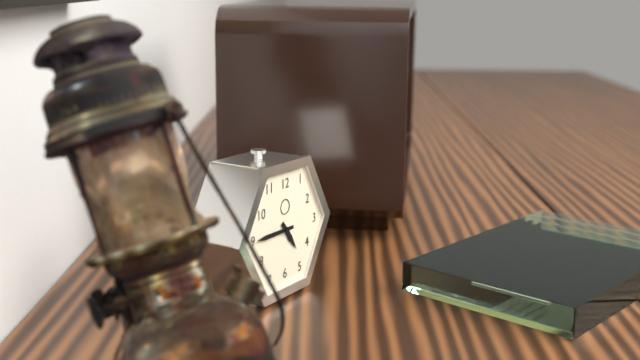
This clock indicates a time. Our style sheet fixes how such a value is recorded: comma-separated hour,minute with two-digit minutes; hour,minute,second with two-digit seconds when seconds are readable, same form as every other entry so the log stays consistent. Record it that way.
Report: 4,45
